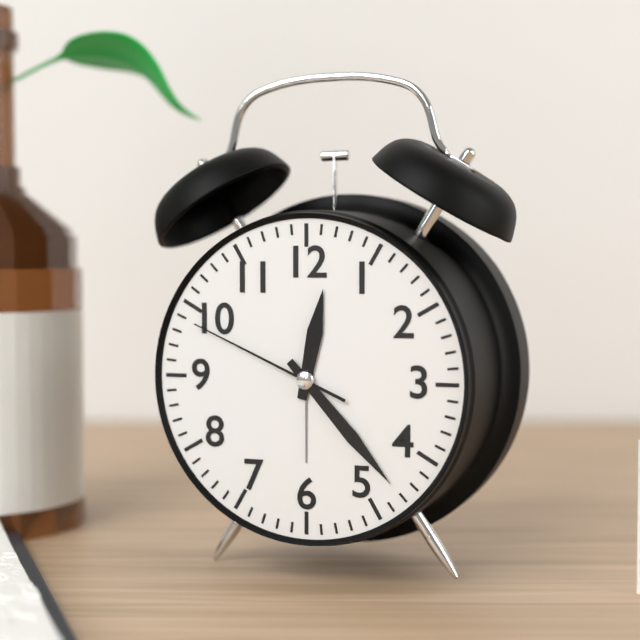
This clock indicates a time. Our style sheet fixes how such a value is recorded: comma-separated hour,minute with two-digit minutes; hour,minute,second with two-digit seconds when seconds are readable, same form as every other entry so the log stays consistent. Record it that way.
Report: 12,23,49
